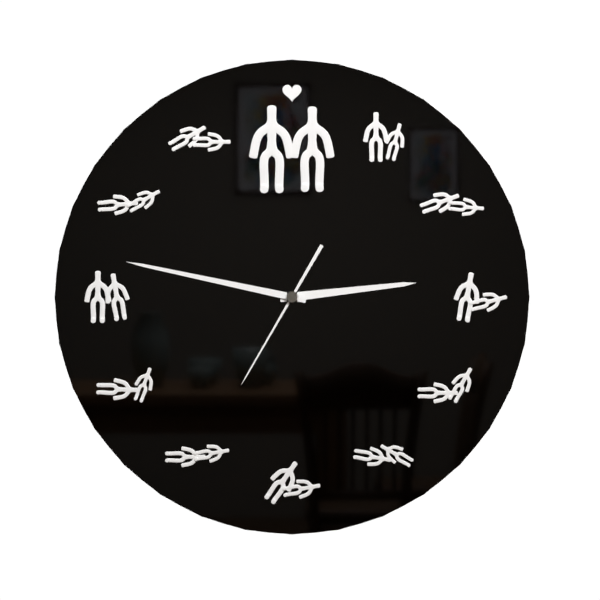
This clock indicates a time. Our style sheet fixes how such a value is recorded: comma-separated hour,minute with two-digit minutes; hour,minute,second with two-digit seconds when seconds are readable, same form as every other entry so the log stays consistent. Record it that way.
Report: 2,47,35
